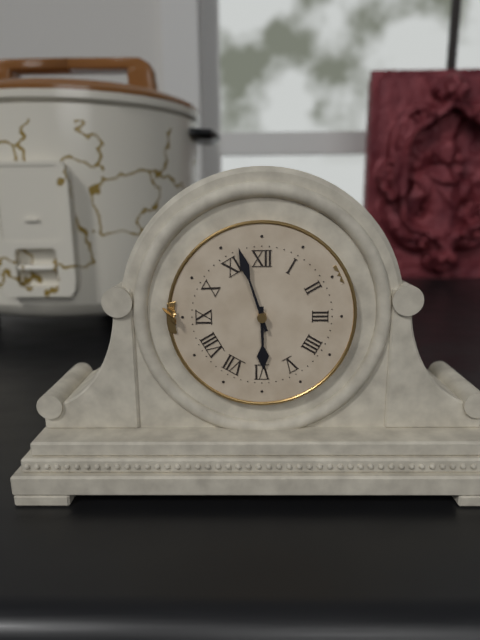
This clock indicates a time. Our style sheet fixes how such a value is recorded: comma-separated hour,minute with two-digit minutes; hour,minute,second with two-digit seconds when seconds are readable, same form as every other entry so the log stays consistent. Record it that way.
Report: 5,57
